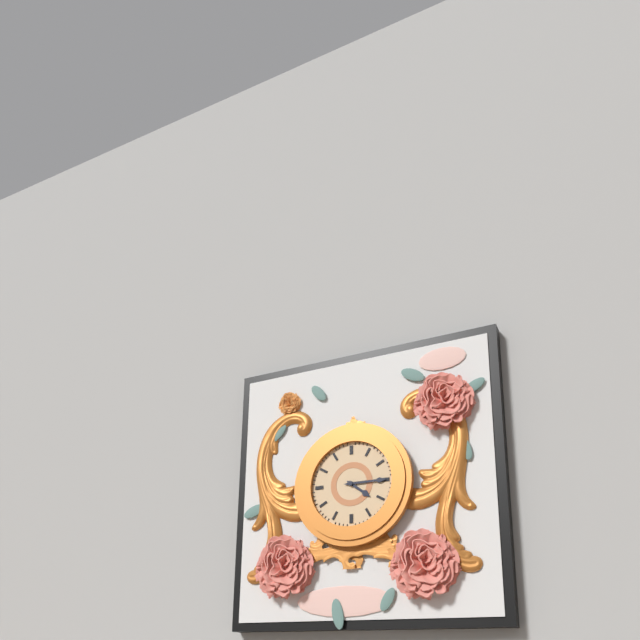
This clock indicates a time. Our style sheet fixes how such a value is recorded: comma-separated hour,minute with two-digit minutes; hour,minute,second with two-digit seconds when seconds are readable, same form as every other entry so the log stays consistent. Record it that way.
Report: 4,15
